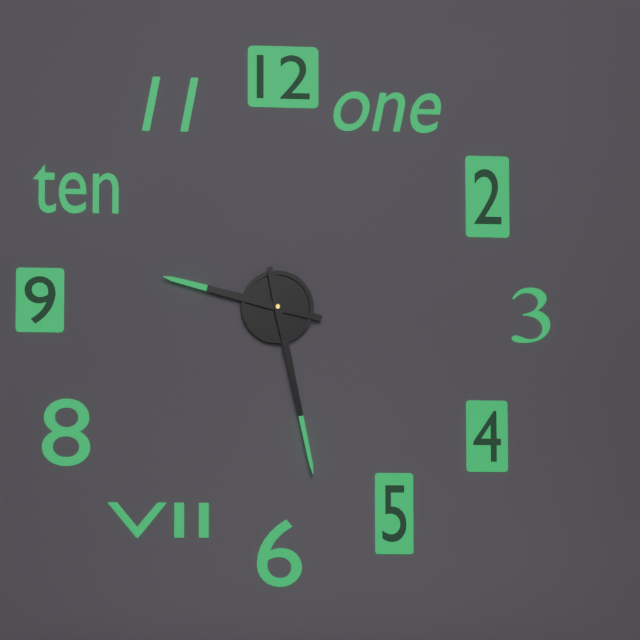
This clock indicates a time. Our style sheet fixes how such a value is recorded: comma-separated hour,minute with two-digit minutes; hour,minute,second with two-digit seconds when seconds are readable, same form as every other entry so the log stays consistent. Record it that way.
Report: 9,28
